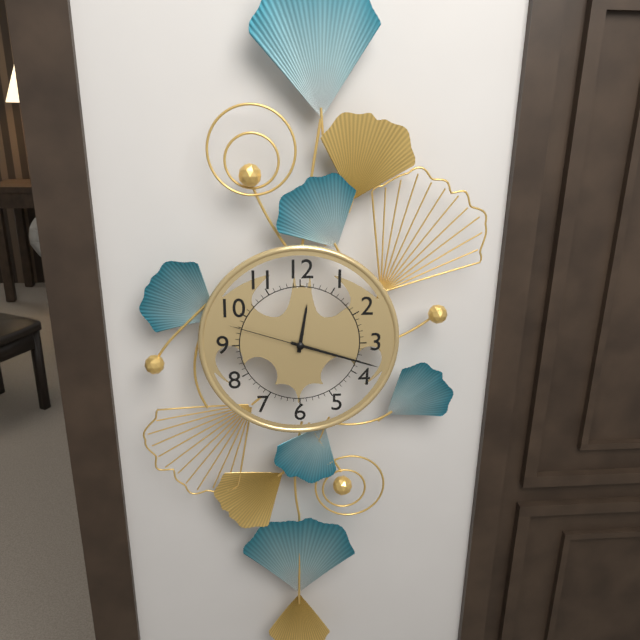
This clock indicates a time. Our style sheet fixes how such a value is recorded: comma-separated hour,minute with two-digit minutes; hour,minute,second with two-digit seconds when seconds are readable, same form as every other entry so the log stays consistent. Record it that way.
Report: 12,18,48
